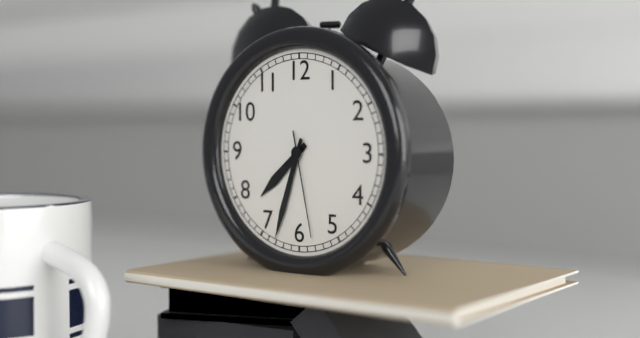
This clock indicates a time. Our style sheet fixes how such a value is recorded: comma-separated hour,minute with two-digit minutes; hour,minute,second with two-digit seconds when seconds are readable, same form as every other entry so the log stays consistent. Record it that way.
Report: 7,33,28
